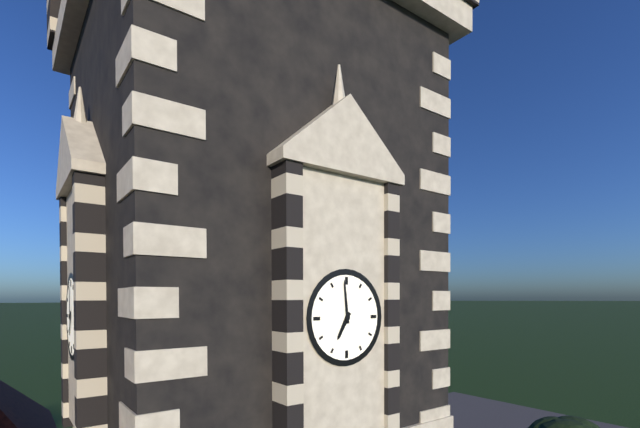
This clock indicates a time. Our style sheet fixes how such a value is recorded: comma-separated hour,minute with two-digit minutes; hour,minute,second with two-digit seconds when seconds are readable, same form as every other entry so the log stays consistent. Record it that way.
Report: 6,59
